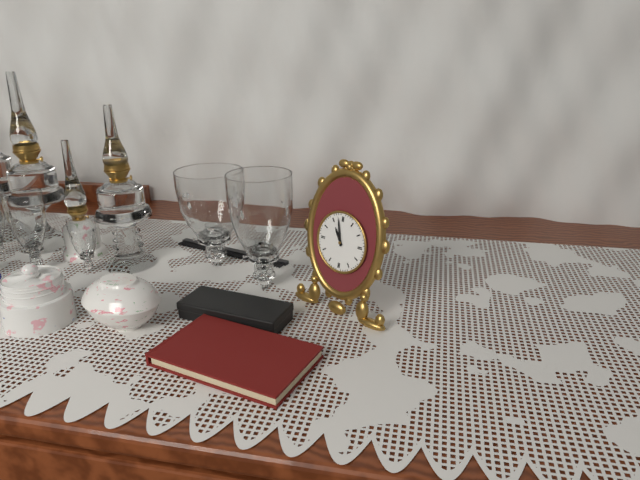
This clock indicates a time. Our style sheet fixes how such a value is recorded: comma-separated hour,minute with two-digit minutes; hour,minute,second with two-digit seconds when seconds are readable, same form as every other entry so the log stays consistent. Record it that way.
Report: 10,58
